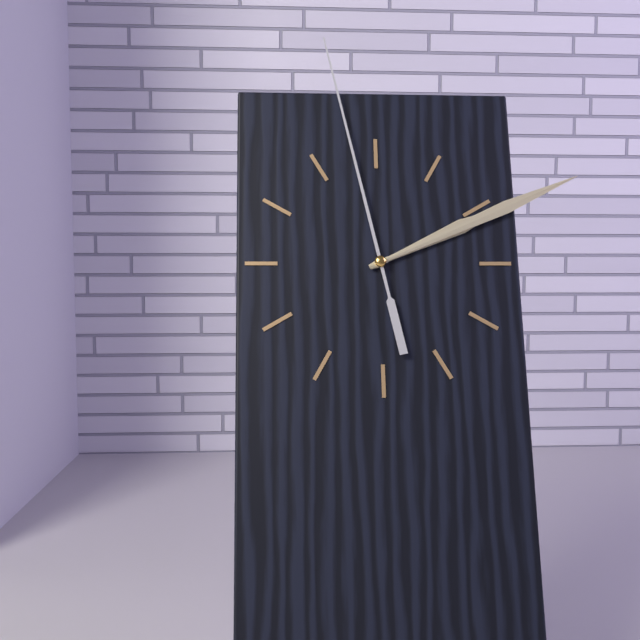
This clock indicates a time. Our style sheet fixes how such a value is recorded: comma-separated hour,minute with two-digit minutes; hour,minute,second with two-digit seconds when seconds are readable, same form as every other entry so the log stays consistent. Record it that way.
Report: 2,11,58
